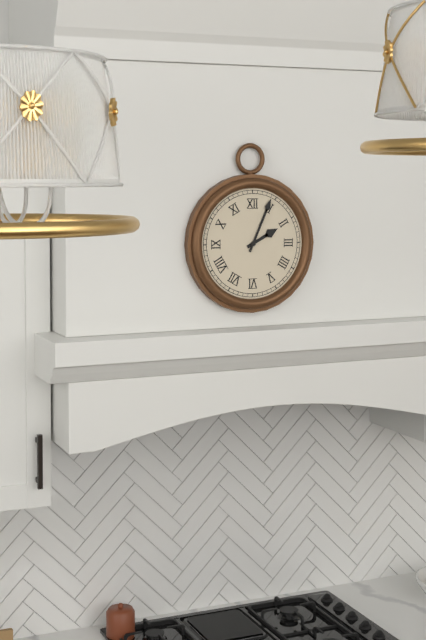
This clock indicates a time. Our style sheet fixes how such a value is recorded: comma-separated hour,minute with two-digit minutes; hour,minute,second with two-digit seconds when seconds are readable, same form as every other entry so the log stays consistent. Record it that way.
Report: 2,04
